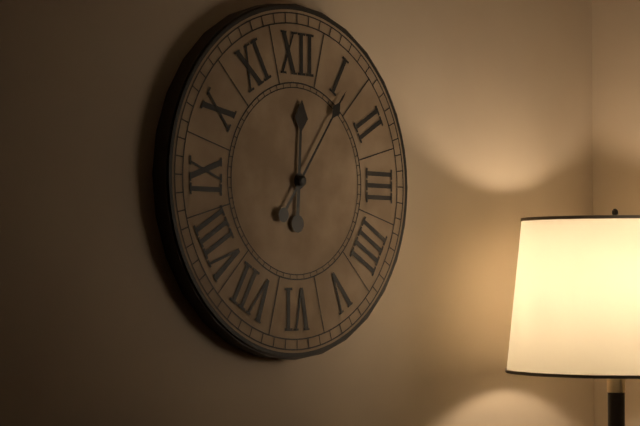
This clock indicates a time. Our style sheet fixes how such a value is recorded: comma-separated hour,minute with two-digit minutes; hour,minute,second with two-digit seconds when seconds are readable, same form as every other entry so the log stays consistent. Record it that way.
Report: 12,06
